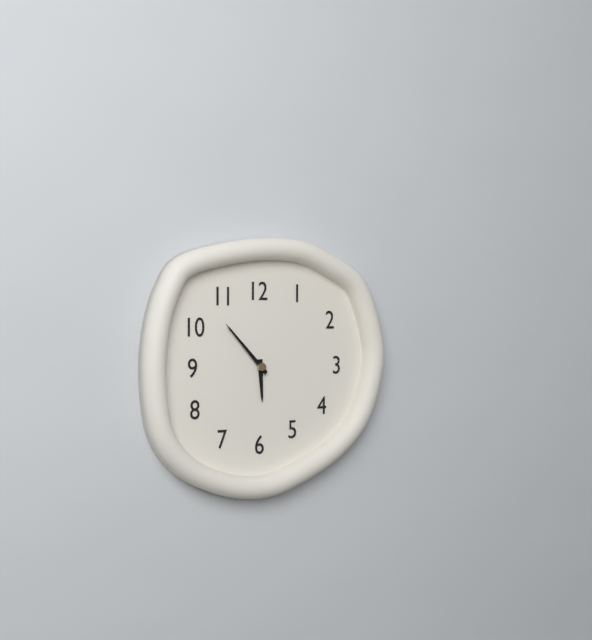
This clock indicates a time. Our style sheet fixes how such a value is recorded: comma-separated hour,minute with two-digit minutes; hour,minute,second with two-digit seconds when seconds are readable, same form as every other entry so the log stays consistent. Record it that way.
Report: 5,53
